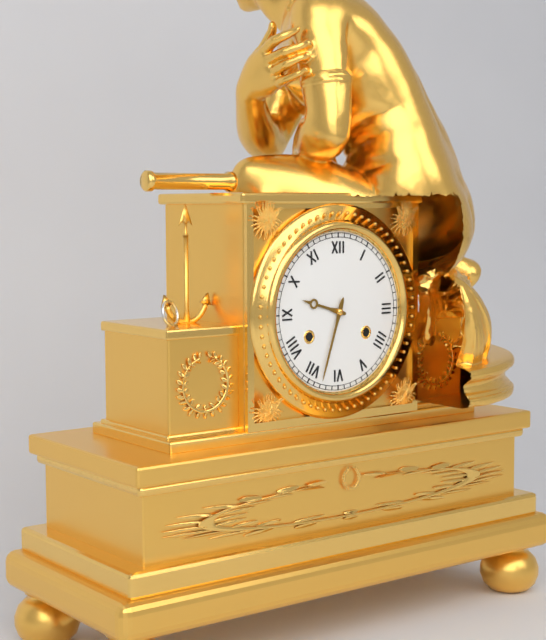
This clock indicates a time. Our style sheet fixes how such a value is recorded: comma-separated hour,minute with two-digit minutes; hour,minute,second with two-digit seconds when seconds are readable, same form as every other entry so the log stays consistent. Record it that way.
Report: 9,33
